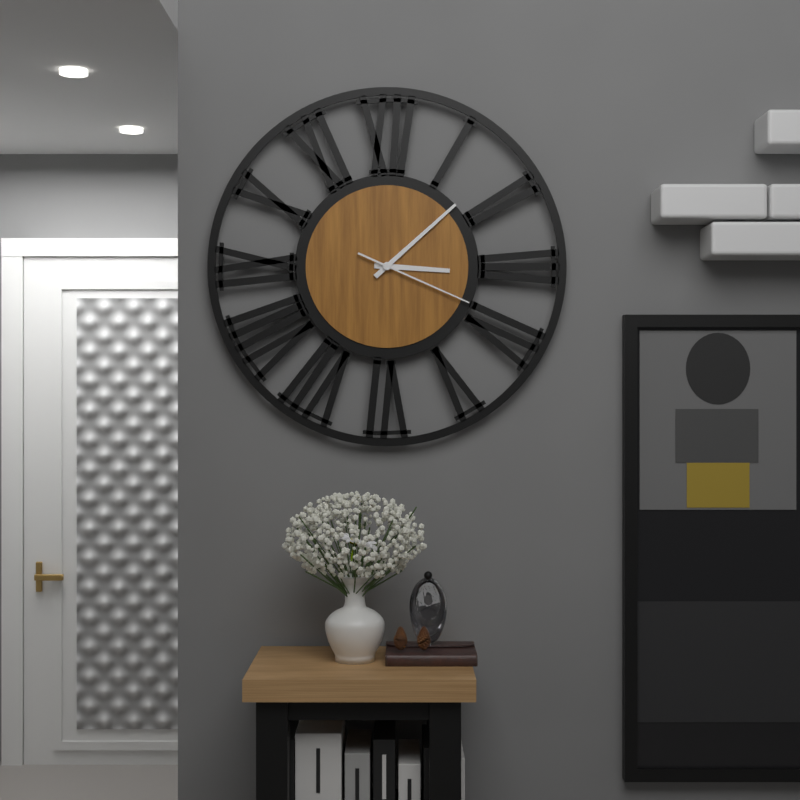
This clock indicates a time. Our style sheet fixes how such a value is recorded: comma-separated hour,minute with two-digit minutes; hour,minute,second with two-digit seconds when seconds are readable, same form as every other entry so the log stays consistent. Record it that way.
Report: 3,08,19
